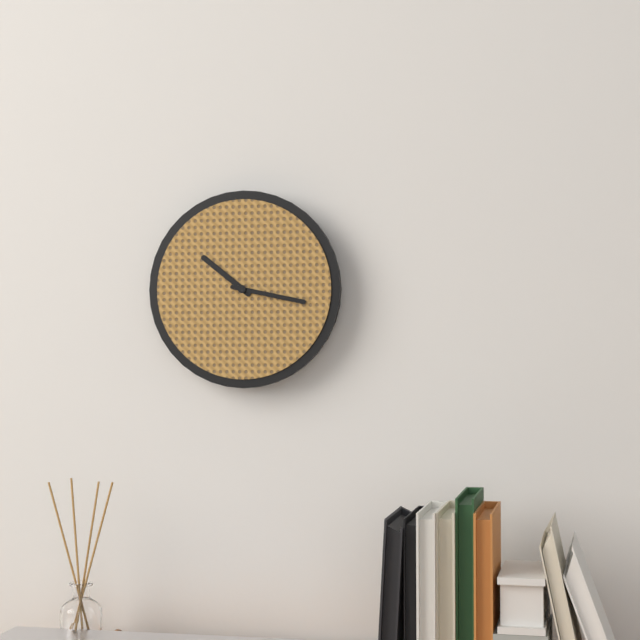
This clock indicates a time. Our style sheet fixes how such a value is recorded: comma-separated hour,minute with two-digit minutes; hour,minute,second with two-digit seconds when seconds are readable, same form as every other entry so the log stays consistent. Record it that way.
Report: 10,17
